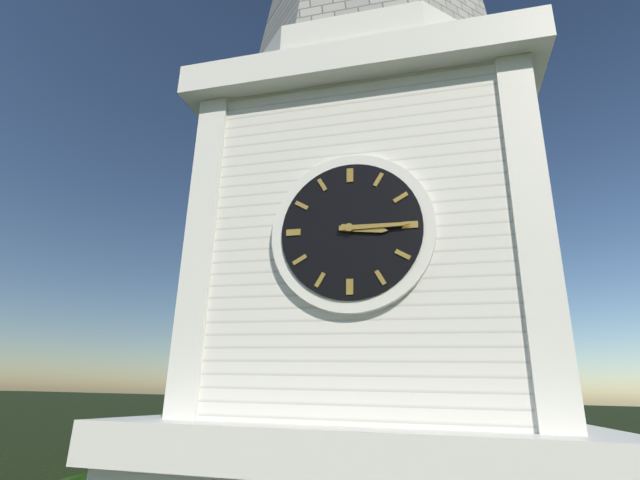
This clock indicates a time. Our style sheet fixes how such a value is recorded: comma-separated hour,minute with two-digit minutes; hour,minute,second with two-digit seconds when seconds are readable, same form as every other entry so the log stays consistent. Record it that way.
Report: 3,15
